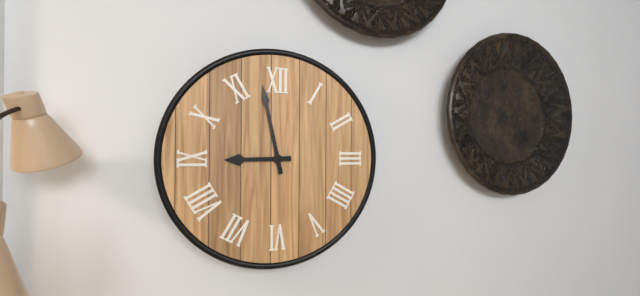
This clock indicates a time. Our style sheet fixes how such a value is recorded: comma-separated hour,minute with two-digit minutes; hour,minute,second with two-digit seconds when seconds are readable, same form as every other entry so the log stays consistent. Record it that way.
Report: 8,58
